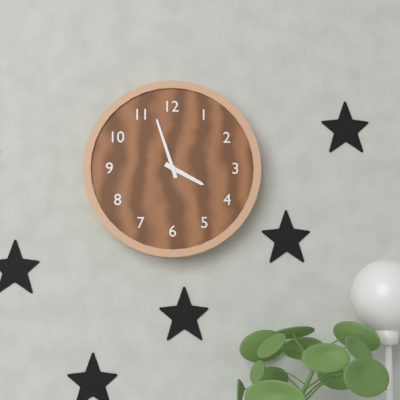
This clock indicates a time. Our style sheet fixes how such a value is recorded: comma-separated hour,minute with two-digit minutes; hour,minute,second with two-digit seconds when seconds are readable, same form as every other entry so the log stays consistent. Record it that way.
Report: 3,57
